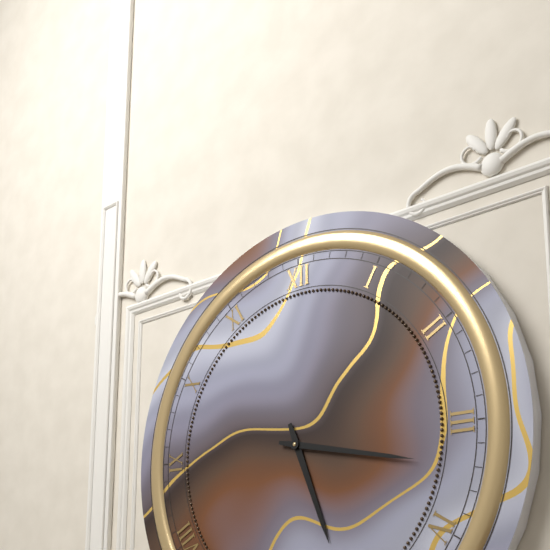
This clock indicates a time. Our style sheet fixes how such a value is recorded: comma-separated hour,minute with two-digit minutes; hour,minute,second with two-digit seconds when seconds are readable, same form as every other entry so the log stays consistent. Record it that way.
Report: 5,17
